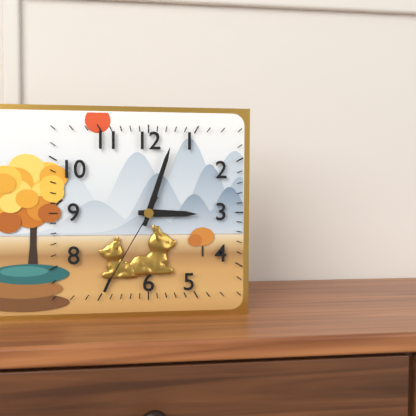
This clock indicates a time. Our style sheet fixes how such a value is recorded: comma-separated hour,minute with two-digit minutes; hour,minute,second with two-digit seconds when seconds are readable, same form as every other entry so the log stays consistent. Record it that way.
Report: 3,03,35
